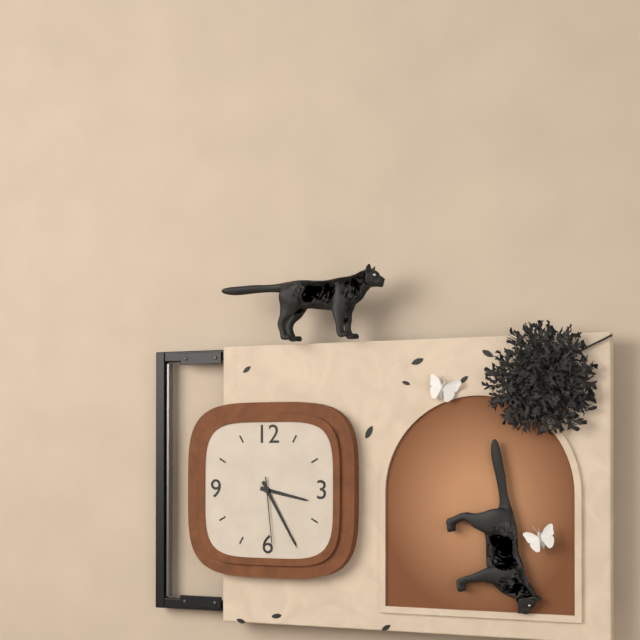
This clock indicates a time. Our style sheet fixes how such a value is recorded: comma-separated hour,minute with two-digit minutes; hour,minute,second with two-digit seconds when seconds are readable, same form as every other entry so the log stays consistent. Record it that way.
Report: 3,25,29
